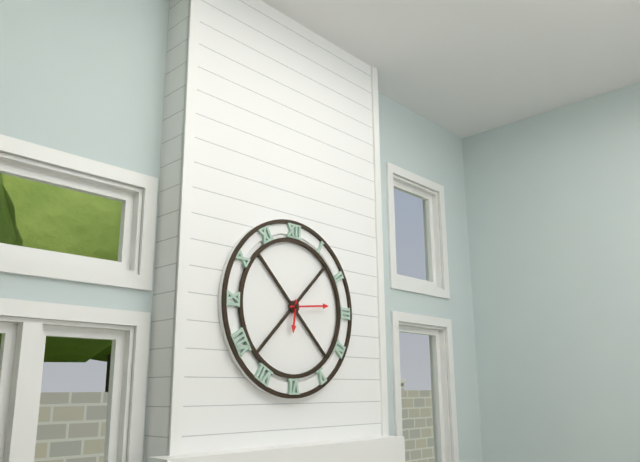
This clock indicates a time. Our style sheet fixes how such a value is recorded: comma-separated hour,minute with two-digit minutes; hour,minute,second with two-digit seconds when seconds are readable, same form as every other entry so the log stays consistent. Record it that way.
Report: 6,14
